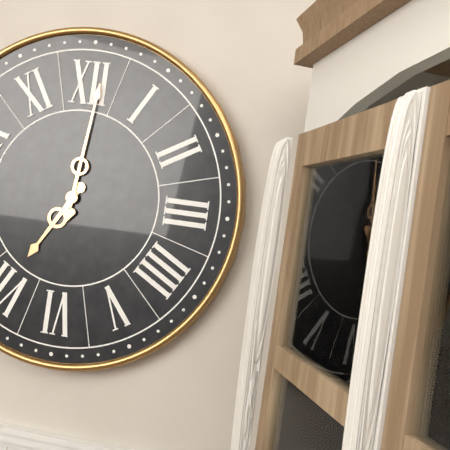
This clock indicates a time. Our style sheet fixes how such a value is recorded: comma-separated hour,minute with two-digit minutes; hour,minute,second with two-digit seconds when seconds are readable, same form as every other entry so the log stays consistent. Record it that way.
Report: 7,01
